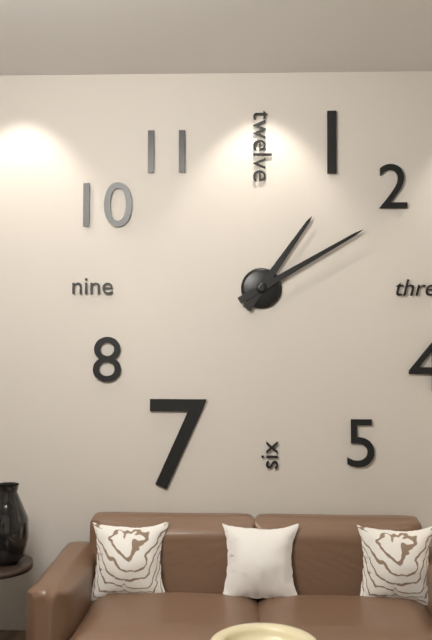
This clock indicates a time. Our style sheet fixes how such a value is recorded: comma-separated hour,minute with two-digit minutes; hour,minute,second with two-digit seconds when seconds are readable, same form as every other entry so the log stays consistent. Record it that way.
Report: 1,10
